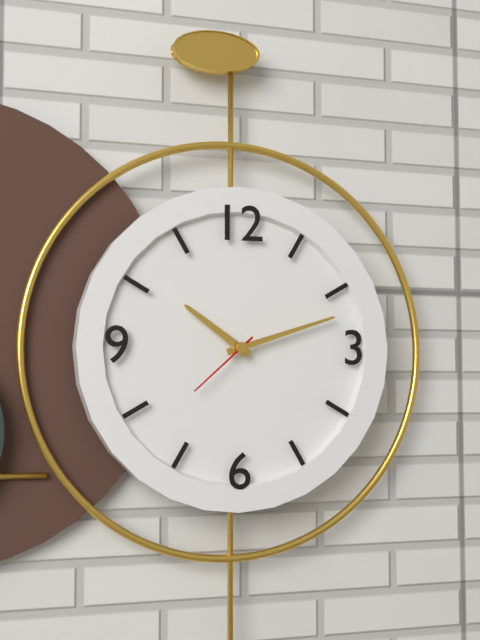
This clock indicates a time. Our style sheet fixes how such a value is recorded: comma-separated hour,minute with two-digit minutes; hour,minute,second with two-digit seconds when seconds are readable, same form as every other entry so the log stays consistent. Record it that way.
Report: 10,12,38
